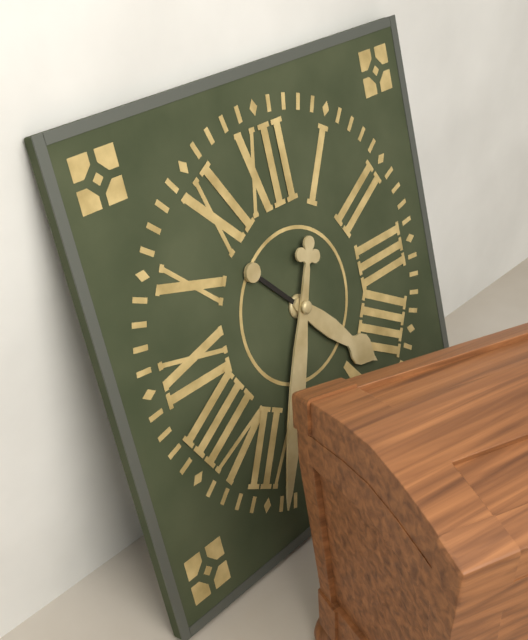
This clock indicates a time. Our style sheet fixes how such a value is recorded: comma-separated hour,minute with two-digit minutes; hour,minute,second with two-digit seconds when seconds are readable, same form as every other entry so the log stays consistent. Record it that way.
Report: 4,34
